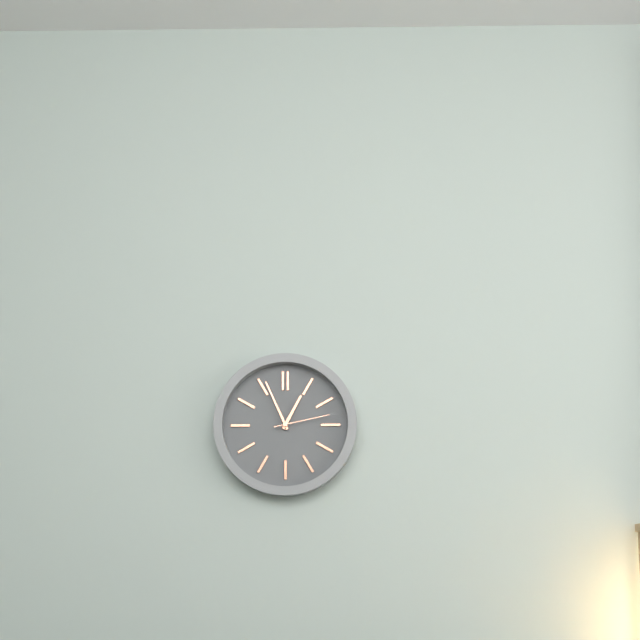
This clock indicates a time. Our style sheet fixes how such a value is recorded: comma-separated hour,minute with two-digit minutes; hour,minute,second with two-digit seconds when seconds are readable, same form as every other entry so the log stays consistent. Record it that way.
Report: 12,56,13
